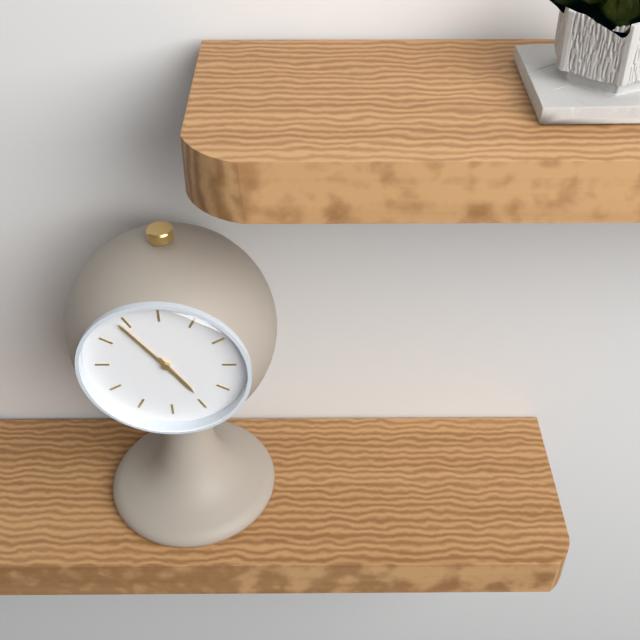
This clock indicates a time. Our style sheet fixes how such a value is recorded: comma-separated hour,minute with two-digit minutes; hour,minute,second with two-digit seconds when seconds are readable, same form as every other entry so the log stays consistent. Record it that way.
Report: 4,54
